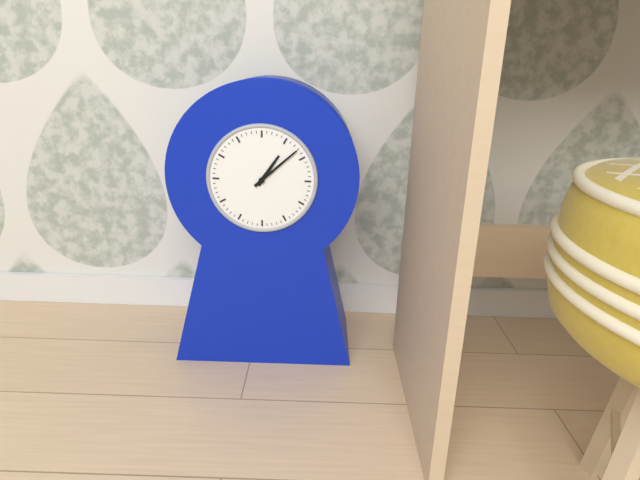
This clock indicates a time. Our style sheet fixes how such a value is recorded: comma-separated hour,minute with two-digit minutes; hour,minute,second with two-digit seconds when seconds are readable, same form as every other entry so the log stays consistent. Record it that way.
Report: 1,08
